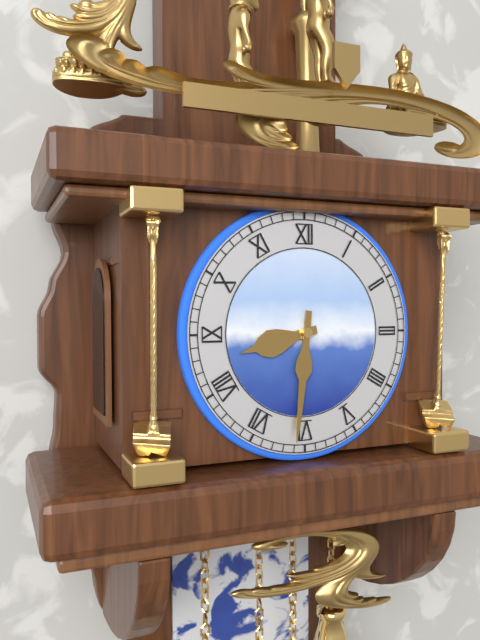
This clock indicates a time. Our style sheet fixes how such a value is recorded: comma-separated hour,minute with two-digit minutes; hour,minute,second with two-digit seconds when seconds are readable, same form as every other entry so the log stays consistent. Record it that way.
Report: 8,31
